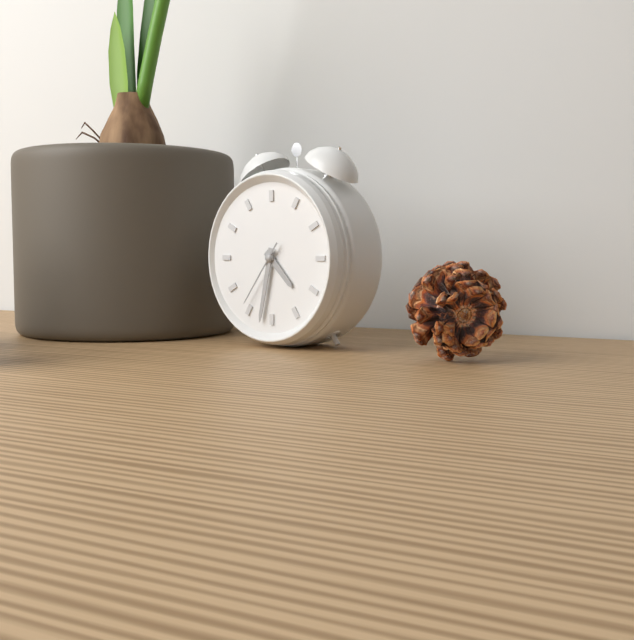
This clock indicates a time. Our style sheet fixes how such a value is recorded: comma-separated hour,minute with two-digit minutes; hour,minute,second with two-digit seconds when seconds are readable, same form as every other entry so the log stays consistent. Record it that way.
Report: 4,32,36
